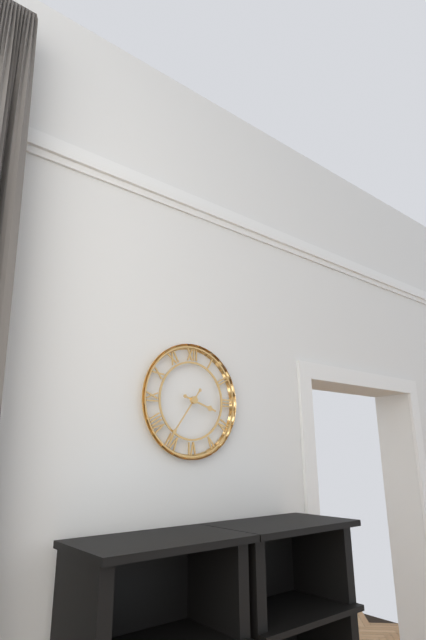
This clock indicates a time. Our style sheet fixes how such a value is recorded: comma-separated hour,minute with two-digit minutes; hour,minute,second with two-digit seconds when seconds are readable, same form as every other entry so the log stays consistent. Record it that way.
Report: 3,36
